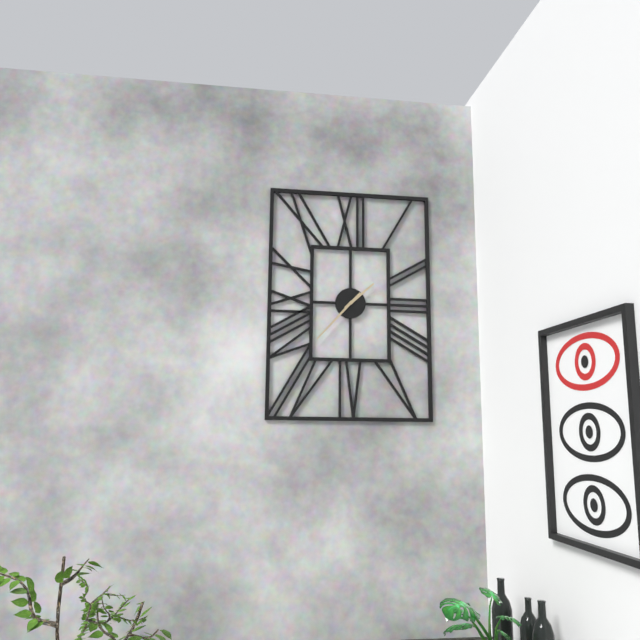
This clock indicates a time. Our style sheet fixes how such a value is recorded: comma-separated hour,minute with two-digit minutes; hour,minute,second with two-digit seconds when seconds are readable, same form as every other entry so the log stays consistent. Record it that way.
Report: 1,37
